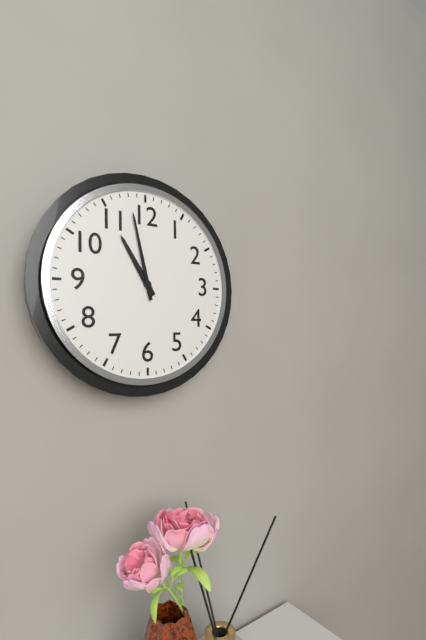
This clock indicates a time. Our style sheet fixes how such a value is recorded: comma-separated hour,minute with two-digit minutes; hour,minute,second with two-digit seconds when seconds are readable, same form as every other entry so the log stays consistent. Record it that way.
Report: 10,58
